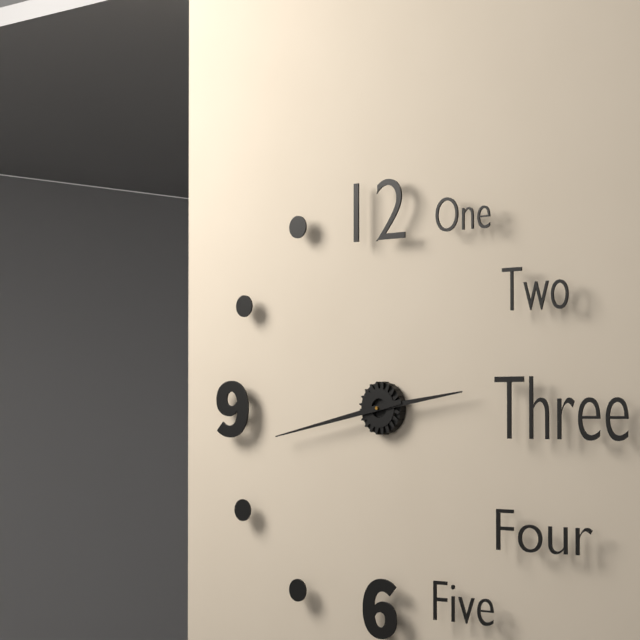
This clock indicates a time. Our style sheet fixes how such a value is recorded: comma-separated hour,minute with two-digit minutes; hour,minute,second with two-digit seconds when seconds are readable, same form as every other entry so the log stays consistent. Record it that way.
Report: 2,43
